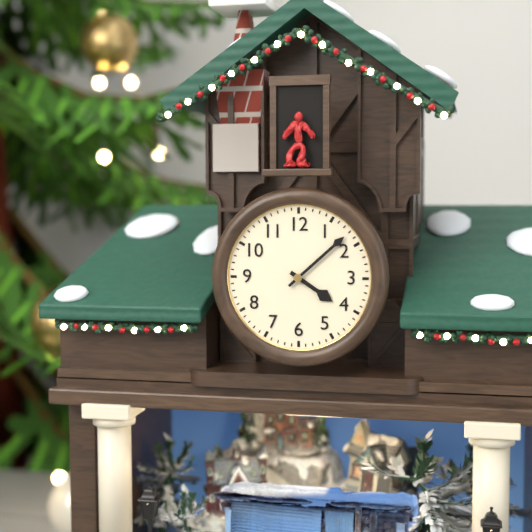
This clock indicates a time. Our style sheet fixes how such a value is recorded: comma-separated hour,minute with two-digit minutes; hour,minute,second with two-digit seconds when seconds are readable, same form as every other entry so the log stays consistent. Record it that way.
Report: 4,08
